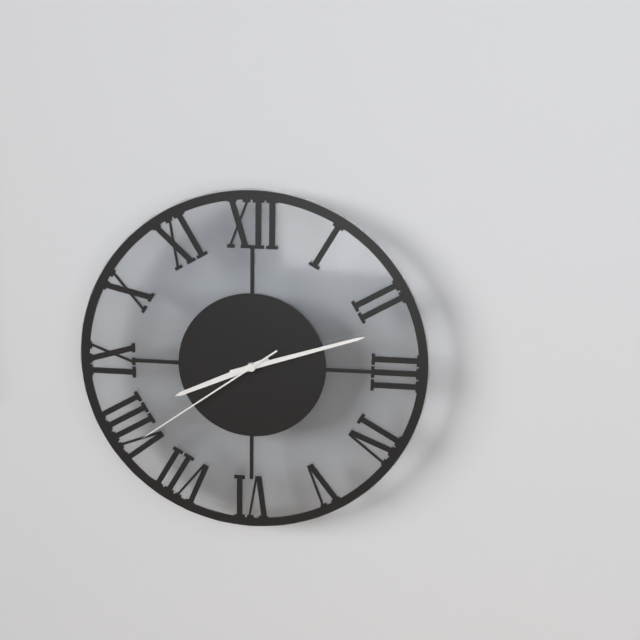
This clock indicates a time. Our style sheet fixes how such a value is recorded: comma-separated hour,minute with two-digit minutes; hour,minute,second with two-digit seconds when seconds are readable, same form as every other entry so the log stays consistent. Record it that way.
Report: 8,12,39
